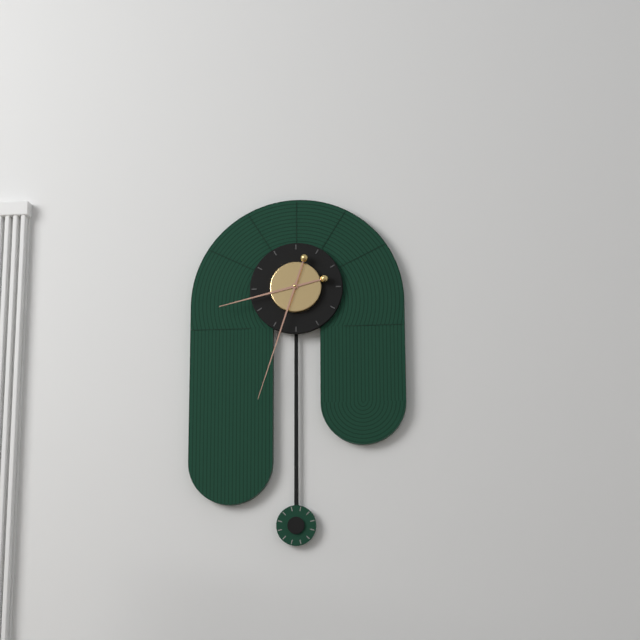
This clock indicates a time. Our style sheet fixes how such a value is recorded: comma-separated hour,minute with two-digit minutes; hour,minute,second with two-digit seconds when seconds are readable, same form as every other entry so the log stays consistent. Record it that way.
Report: 8,33
